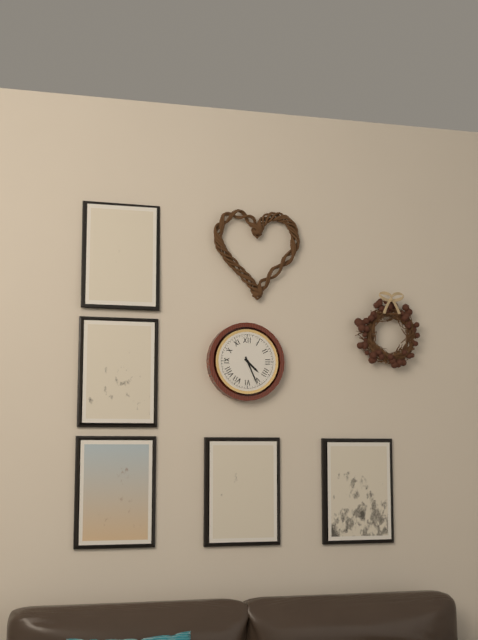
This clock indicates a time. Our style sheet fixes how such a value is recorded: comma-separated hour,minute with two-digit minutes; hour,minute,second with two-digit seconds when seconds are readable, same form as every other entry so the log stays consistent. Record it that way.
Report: 4,26
